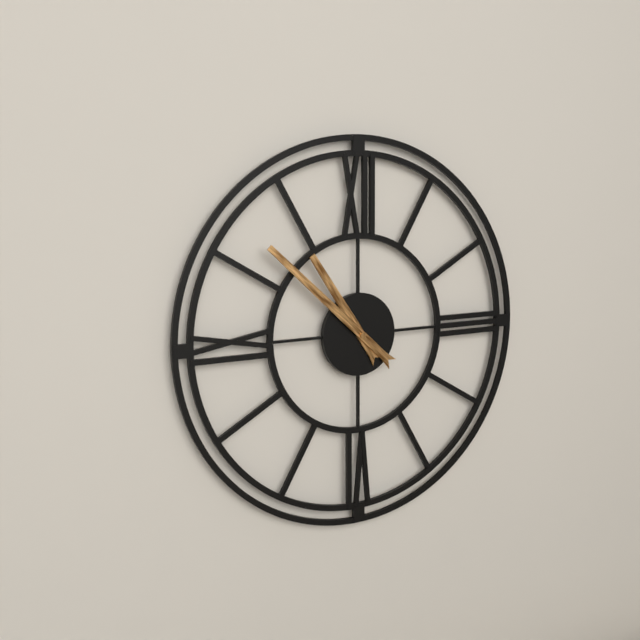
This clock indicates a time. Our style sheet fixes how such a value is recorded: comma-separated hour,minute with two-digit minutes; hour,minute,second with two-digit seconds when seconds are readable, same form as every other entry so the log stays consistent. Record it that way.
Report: 10,52
